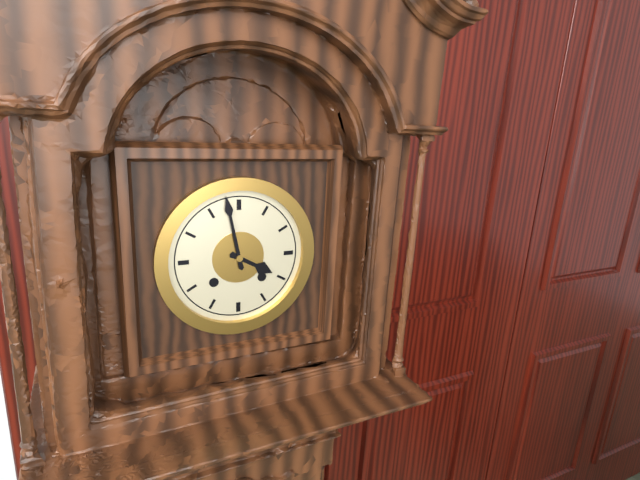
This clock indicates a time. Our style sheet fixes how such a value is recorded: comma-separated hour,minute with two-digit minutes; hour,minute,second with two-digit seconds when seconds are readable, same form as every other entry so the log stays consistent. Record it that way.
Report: 3,58
